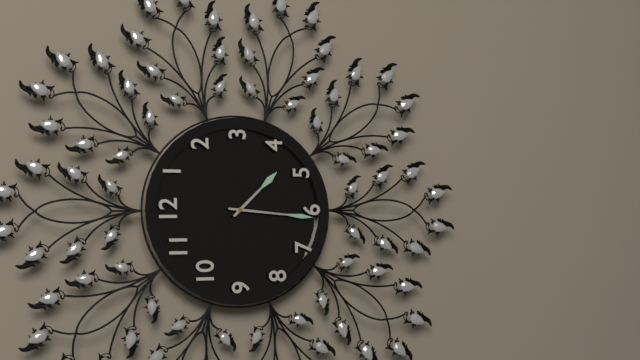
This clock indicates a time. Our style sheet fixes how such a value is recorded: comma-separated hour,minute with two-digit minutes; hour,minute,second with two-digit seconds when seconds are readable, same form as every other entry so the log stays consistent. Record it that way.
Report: 4,31
